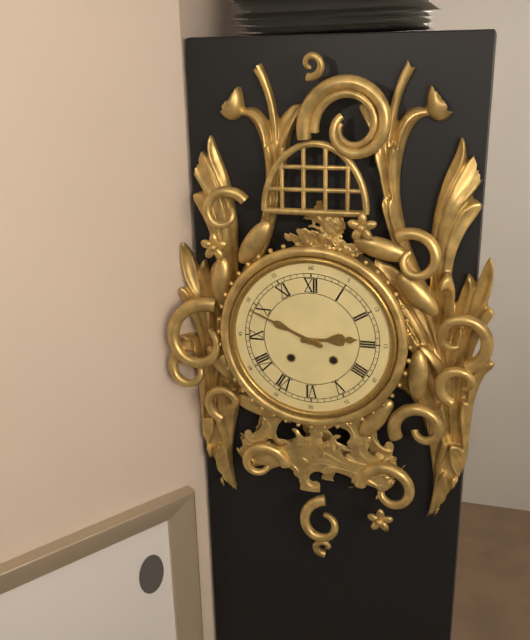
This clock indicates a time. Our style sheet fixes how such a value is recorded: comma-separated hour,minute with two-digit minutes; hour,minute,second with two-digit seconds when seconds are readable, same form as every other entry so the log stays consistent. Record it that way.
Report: 2,49
